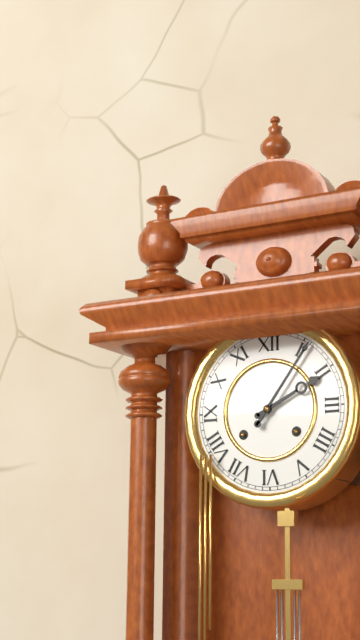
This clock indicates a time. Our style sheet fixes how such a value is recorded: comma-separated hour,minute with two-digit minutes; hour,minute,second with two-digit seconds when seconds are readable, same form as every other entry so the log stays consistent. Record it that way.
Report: 2,06
